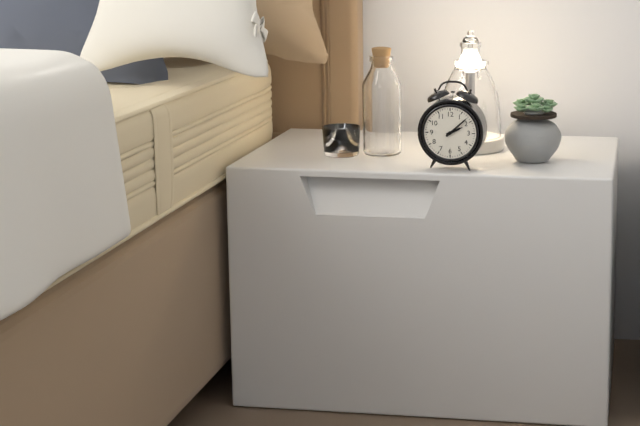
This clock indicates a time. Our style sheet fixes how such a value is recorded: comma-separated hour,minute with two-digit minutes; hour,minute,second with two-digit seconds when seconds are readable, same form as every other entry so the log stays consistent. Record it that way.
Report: 2,08
